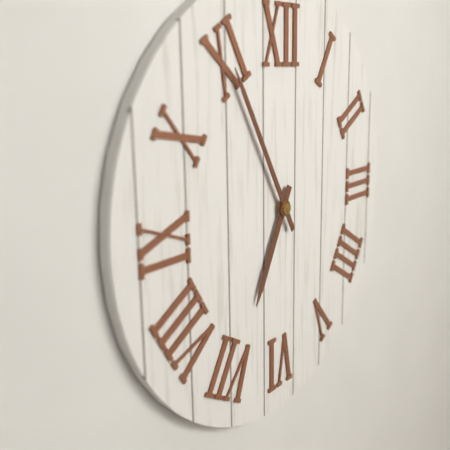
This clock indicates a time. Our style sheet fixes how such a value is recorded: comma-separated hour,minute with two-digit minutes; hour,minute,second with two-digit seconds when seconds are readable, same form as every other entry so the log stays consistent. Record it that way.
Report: 6,55
